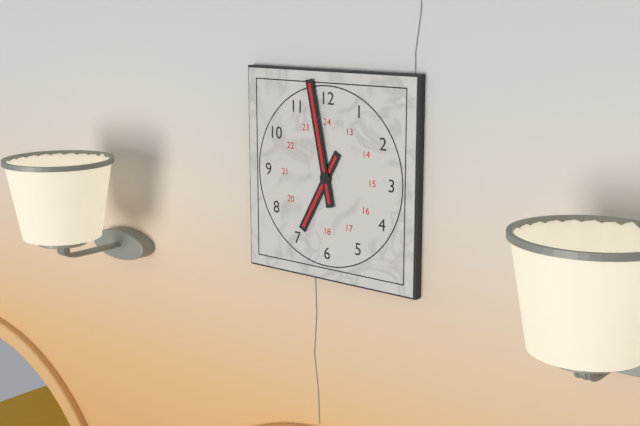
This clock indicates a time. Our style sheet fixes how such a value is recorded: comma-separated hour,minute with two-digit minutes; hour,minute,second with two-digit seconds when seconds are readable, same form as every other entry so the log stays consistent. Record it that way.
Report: 6,58
